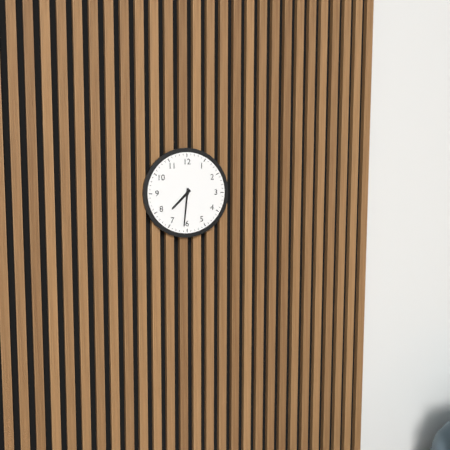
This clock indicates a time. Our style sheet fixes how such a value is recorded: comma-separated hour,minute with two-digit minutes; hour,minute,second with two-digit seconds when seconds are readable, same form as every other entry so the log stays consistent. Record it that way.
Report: 7,31
